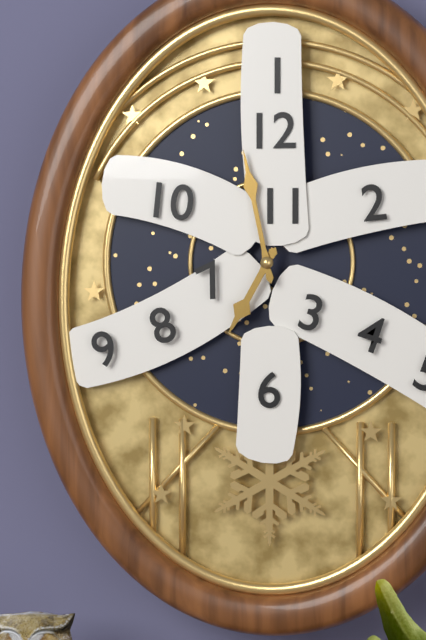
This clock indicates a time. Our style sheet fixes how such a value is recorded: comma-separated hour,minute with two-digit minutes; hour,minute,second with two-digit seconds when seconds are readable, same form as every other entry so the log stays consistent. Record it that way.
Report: 6,58
